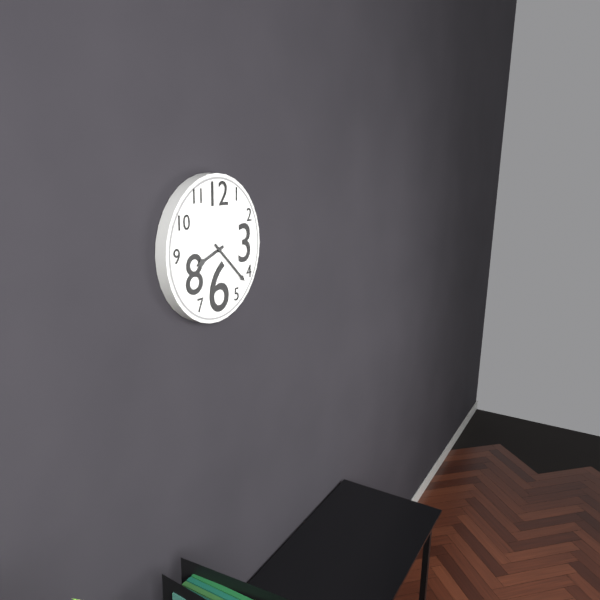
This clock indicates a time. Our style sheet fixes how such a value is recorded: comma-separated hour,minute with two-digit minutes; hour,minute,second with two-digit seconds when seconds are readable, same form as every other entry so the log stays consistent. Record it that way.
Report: 8,22
